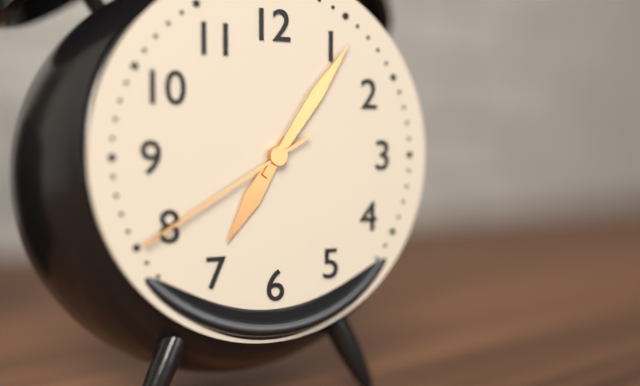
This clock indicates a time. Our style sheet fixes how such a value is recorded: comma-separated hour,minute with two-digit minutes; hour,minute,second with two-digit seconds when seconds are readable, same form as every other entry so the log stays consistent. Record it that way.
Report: 7,06,40
